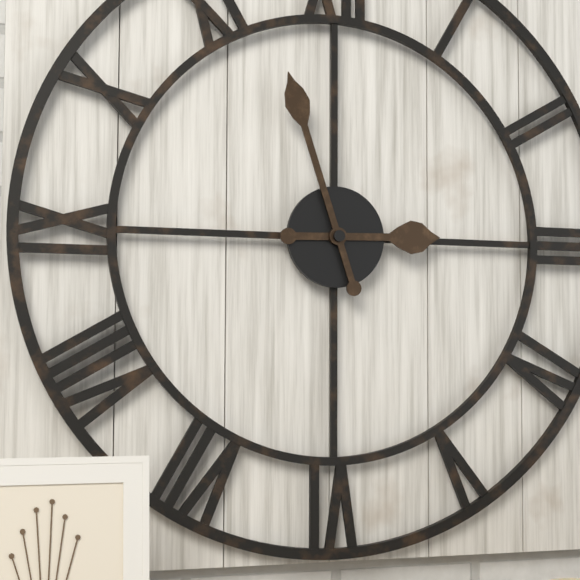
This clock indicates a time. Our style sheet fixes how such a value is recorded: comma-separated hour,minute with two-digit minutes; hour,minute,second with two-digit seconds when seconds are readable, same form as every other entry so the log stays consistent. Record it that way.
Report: 2,57
